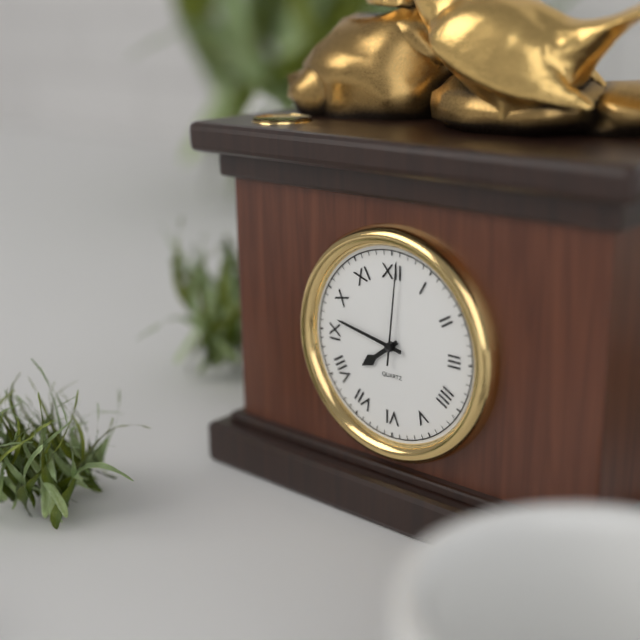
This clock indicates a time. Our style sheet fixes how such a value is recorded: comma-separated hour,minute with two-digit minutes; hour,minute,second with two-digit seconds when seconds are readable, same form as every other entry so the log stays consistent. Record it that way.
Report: 7,47,01
